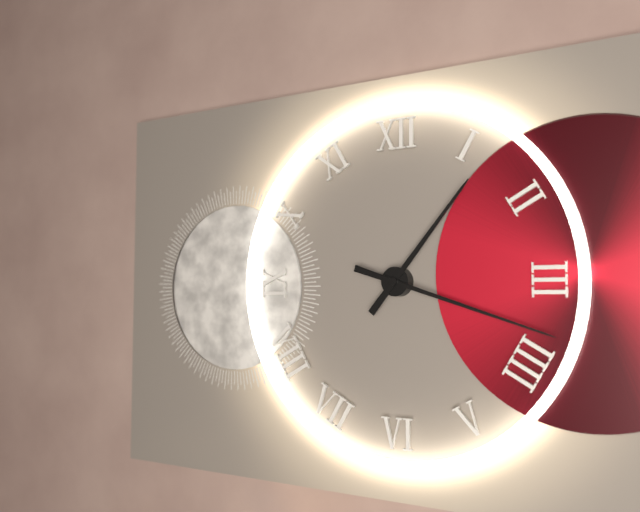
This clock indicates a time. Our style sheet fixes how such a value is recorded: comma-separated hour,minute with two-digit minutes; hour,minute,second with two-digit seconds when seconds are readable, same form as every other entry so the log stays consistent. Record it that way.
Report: 1,18
